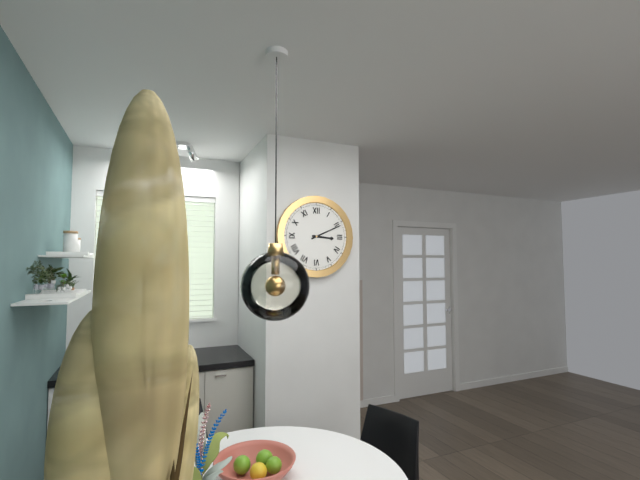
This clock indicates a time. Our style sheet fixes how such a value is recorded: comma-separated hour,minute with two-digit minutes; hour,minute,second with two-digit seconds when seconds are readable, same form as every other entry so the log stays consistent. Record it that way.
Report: 3,11
